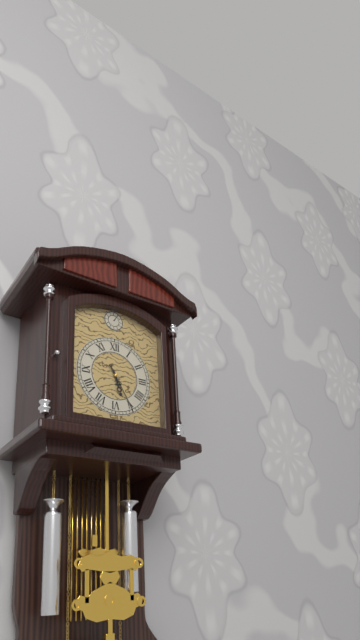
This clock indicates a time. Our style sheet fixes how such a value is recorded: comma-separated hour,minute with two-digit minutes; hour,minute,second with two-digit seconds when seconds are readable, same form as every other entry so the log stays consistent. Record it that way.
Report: 5,25
